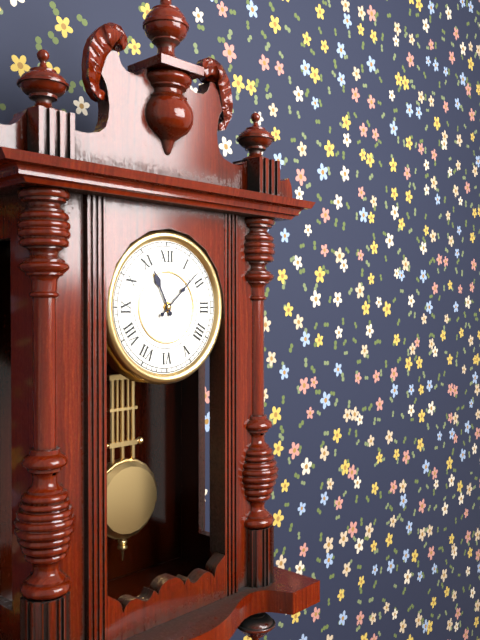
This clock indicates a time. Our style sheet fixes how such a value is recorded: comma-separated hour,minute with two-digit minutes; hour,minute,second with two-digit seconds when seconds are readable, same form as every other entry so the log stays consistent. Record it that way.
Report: 11,08
